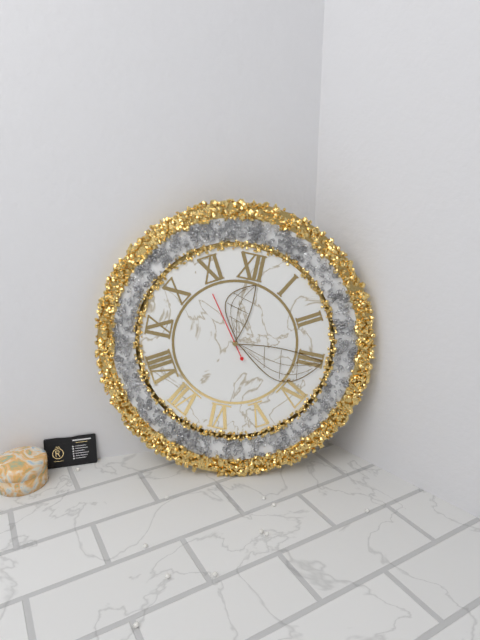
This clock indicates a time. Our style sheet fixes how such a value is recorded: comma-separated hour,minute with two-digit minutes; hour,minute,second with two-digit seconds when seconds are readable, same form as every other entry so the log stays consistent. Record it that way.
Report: 12,15,54
